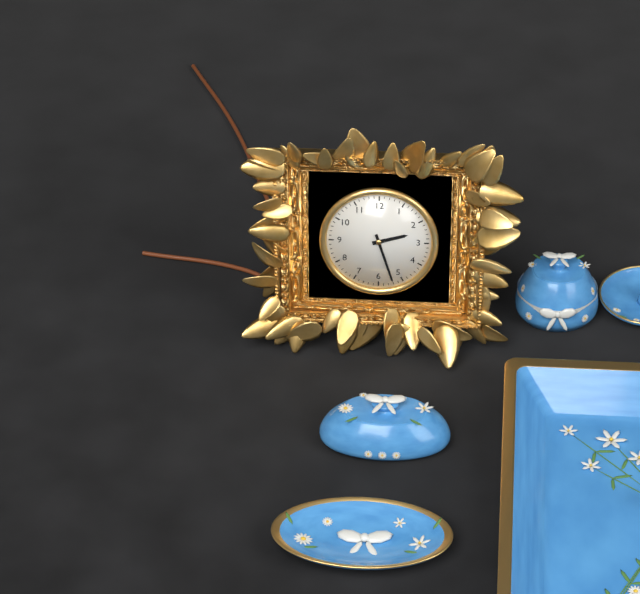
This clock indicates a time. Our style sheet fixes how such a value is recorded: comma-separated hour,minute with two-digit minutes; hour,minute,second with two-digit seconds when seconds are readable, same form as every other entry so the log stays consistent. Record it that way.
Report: 2,27
